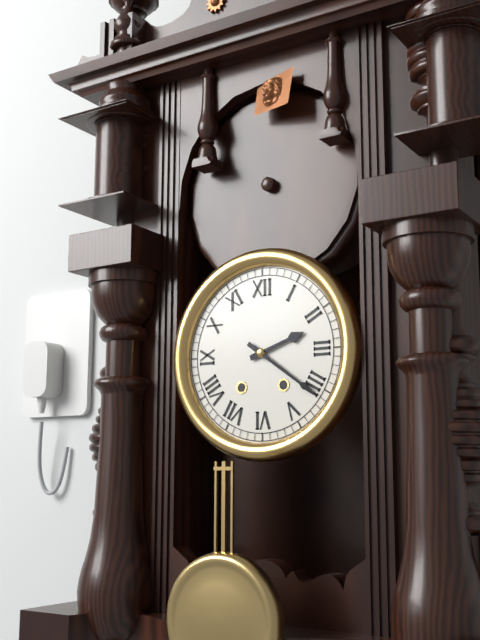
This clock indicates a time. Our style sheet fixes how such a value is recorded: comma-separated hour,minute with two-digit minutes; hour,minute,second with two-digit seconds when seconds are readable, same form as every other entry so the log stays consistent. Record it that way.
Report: 2,21
